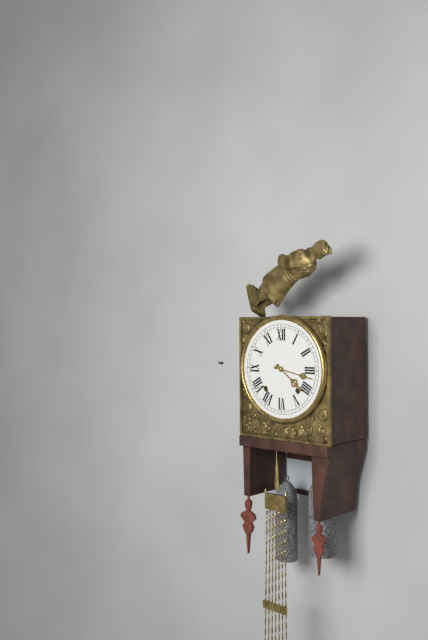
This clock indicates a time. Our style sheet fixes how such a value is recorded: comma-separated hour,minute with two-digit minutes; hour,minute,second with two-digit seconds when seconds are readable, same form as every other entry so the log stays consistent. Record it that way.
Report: 4,17
